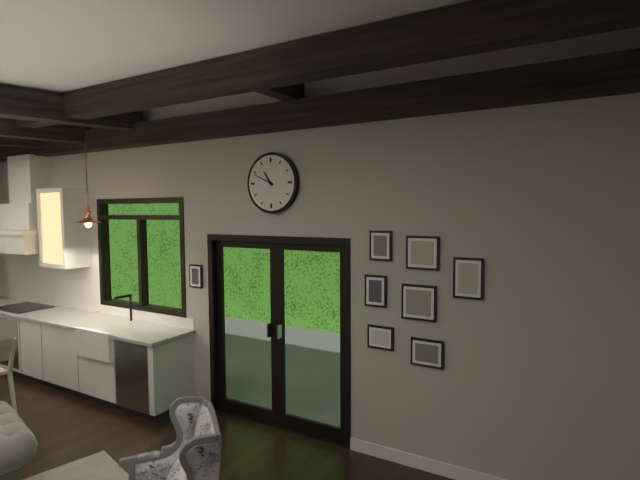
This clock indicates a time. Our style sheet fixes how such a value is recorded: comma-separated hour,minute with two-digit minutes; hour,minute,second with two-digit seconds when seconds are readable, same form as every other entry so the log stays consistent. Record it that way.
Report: 10,49
